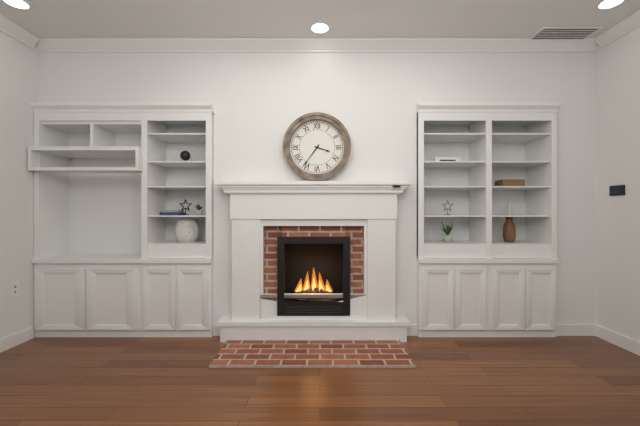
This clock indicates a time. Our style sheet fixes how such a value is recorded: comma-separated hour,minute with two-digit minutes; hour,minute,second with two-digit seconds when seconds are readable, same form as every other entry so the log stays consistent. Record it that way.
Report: 3,36
